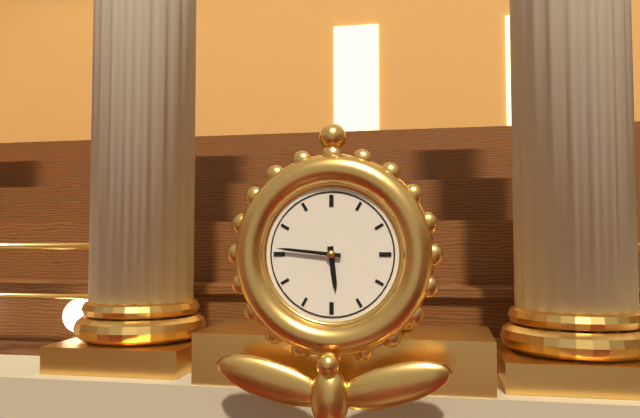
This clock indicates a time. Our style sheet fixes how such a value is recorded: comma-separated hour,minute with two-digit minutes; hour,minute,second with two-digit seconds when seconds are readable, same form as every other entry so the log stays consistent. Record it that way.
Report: 5,46
